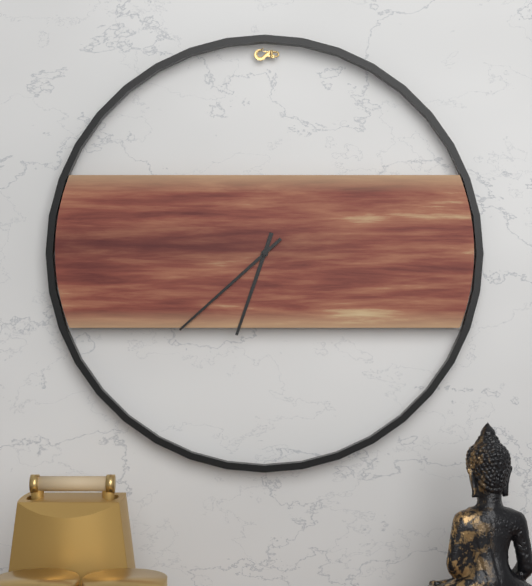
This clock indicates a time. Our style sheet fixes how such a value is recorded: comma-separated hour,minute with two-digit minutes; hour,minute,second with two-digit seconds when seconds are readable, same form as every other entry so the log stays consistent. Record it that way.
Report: 6,38
